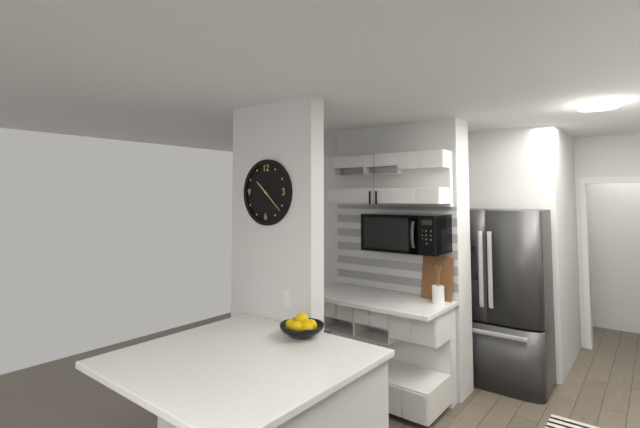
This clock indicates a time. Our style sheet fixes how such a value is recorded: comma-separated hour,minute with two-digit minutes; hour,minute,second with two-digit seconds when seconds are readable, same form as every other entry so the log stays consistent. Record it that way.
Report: 10,22
